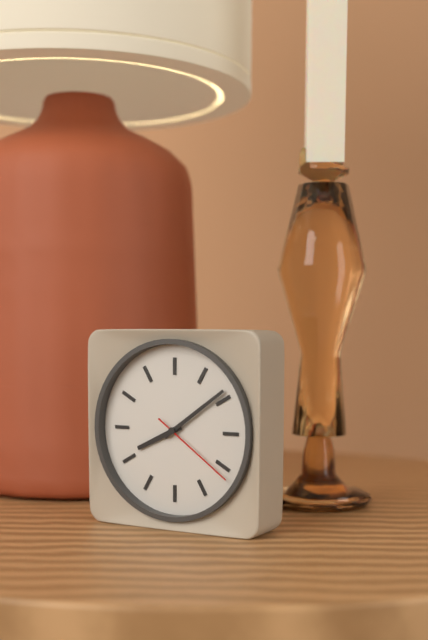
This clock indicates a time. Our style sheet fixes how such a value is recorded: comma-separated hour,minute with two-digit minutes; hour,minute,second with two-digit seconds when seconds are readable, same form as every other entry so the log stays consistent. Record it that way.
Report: 8,09,21
